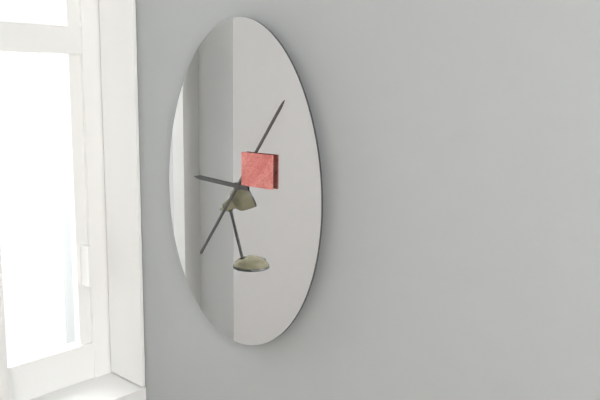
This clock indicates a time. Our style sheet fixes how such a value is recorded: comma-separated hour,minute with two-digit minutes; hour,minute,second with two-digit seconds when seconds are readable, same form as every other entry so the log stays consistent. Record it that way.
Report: 9,06
